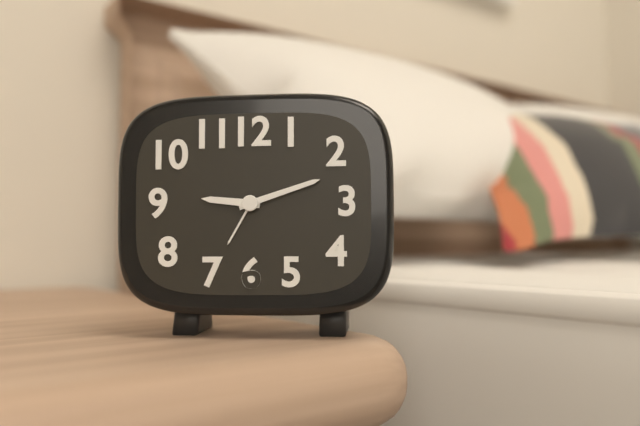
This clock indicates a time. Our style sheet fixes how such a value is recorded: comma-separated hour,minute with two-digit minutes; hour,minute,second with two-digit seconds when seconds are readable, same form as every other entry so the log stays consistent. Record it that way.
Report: 9,12
